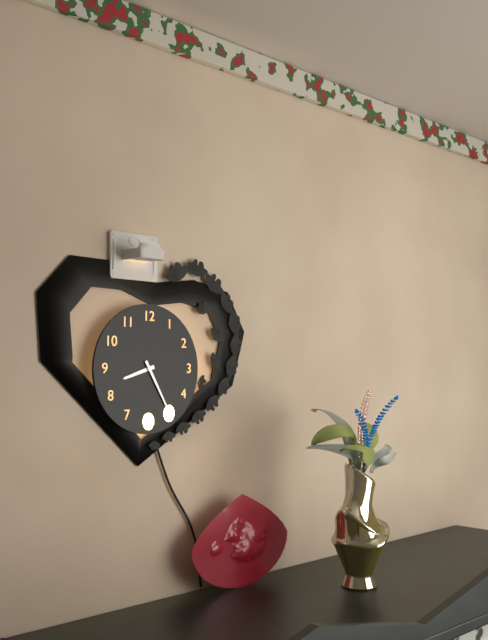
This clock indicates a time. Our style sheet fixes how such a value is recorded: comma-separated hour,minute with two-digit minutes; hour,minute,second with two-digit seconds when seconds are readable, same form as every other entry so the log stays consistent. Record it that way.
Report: 8,25
